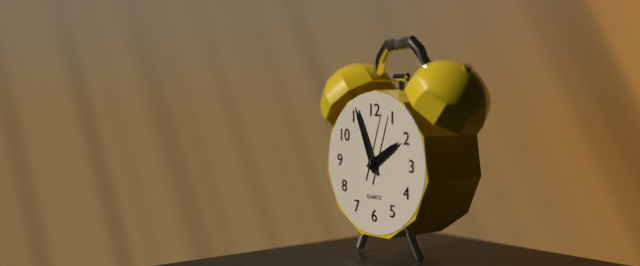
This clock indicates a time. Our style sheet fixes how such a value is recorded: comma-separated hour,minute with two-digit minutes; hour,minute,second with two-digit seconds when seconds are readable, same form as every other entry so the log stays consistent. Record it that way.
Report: 1,56,03
